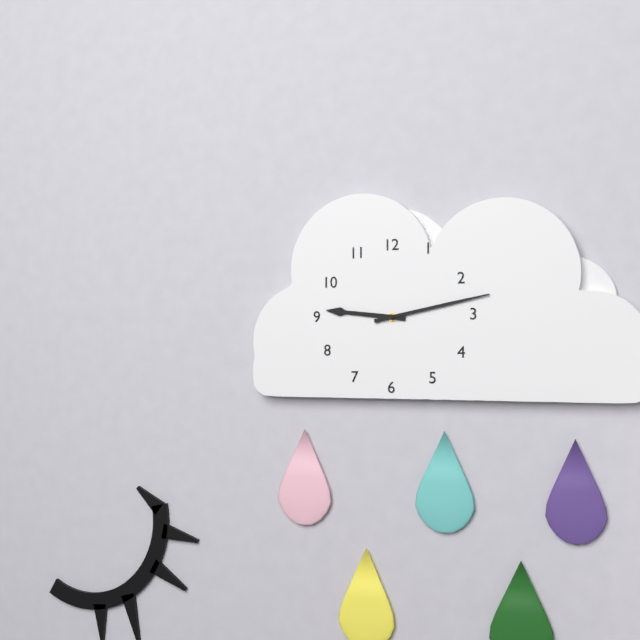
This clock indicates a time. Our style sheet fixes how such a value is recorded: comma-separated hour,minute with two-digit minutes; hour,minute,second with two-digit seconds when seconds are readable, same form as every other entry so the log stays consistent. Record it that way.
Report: 9,13
